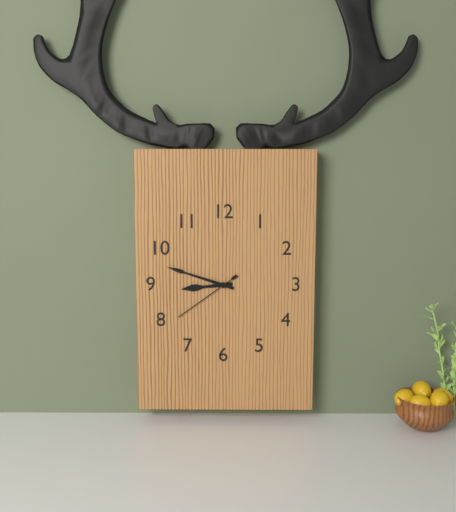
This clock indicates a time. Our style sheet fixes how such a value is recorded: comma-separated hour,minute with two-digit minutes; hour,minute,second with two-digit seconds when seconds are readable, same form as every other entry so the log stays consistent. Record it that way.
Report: 8,48,39
